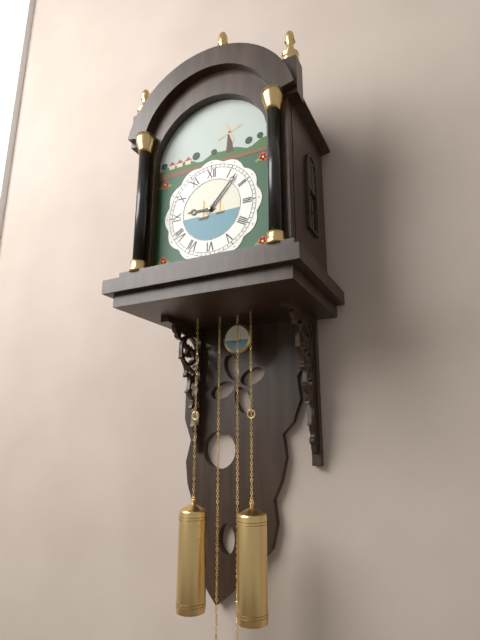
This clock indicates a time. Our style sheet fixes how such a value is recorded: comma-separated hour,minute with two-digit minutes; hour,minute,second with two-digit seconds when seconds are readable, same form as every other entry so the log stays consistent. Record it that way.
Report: 9,07
